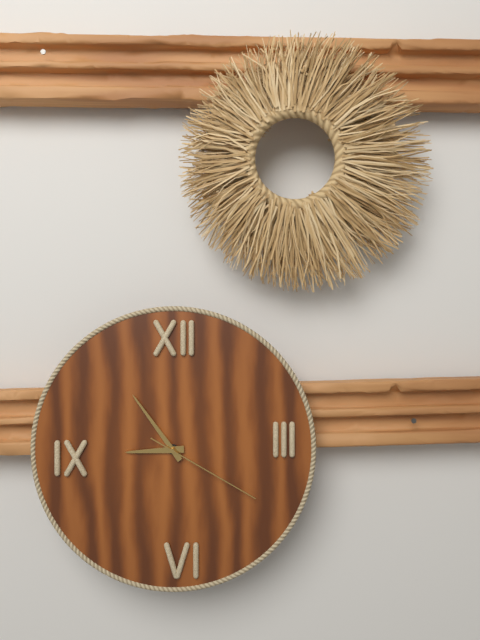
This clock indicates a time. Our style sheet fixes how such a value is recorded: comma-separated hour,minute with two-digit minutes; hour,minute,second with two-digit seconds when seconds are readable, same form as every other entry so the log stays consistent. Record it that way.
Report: 8,54,20
